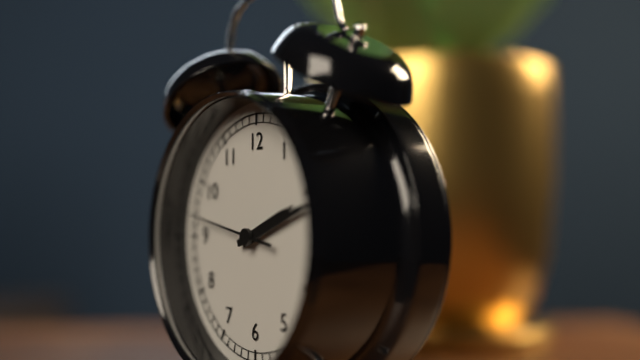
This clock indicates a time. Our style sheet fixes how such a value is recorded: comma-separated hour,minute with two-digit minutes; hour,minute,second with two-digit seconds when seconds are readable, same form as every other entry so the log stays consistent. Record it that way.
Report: 2,12,47
